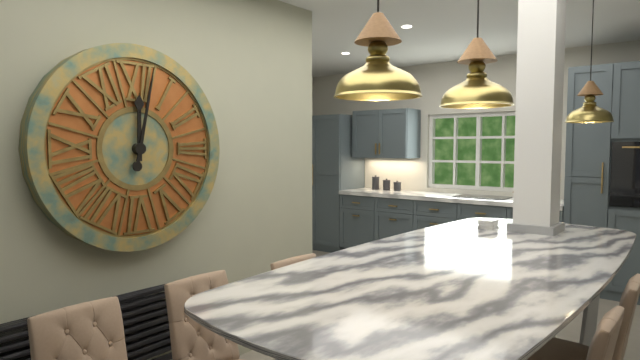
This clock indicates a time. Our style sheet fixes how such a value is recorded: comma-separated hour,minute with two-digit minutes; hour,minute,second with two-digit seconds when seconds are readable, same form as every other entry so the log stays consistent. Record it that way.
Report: 12,02
